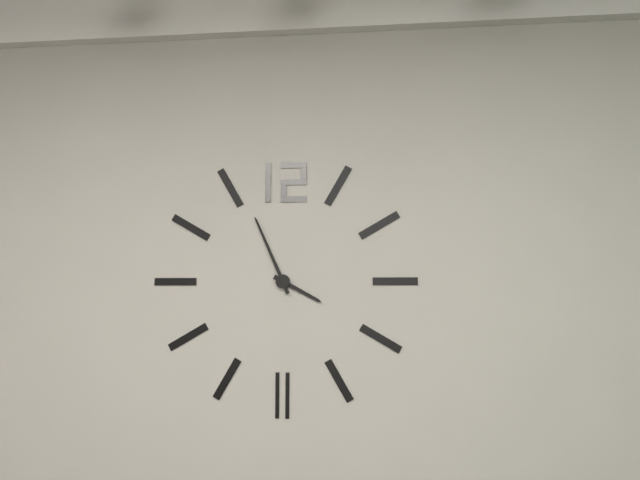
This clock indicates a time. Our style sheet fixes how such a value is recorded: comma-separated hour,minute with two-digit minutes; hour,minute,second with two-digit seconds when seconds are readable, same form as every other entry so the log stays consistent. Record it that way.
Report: 3,56
